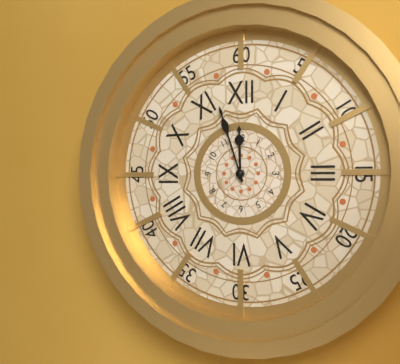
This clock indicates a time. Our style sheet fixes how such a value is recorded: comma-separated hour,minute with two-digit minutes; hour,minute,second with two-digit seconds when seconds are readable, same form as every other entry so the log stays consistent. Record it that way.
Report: 11,57
